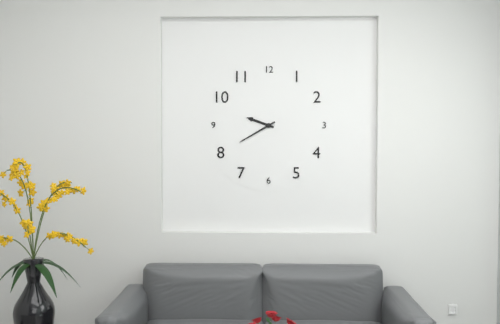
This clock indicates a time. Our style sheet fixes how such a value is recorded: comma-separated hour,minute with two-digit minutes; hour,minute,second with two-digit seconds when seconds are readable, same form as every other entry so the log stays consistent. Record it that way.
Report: 9,40
